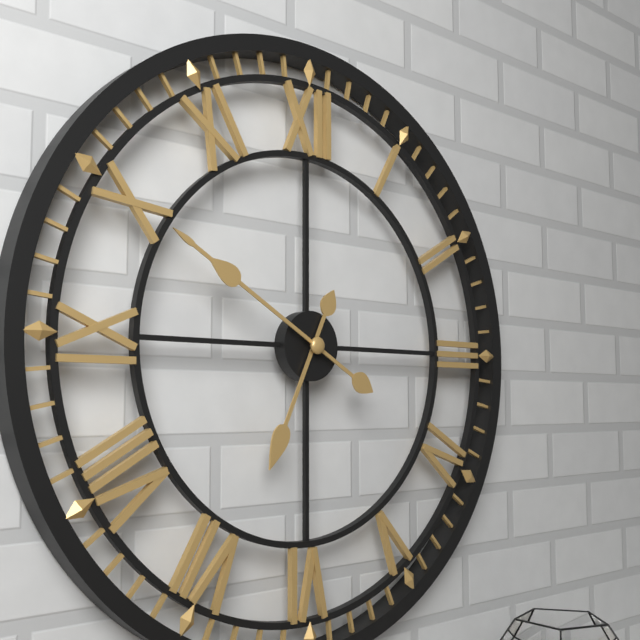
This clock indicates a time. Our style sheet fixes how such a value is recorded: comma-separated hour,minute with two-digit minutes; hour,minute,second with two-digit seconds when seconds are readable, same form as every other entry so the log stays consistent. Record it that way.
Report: 6,50
